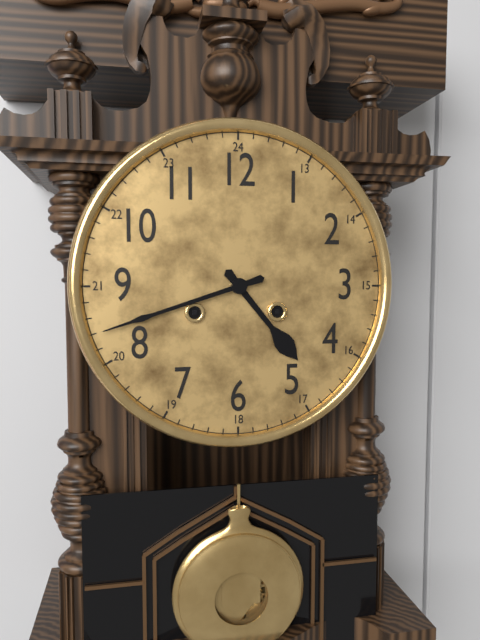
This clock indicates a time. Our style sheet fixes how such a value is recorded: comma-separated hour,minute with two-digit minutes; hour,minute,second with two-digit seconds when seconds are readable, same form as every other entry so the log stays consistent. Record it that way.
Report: 4,42
